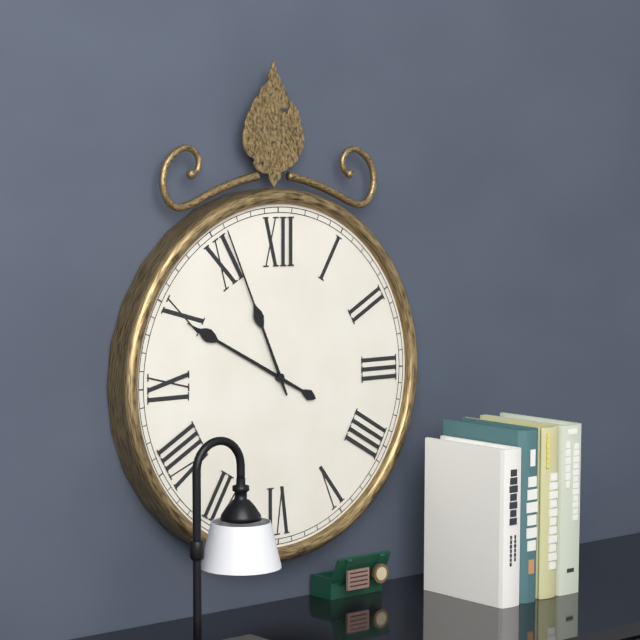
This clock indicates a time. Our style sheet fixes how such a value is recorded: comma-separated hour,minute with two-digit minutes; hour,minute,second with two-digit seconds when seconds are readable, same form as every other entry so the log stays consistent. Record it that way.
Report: 9,56
